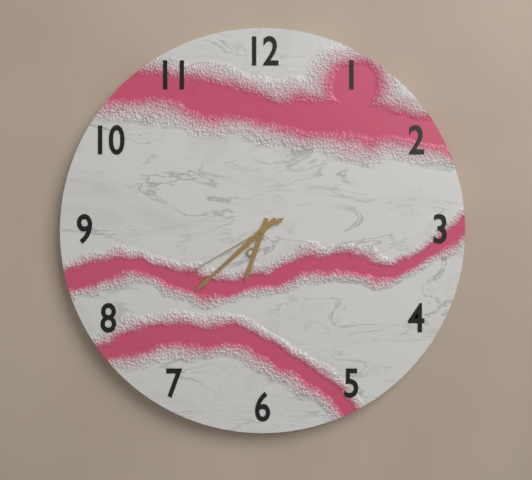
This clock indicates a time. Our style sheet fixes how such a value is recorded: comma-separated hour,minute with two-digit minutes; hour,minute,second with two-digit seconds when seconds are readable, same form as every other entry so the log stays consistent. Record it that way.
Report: 6,38,40
